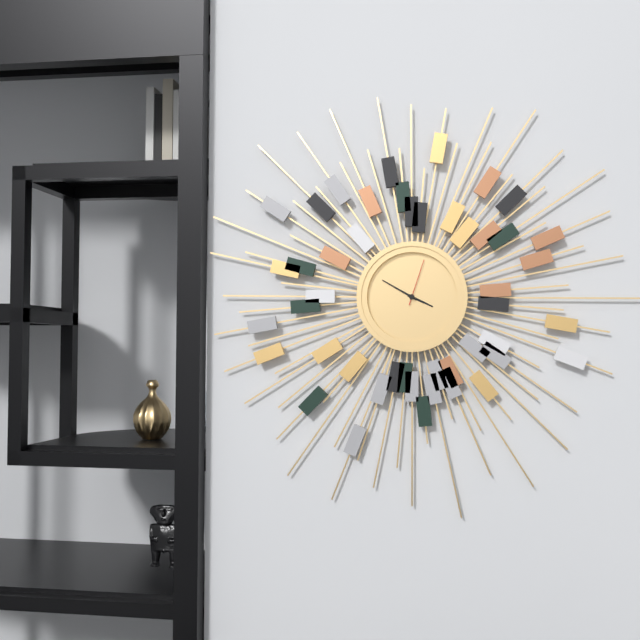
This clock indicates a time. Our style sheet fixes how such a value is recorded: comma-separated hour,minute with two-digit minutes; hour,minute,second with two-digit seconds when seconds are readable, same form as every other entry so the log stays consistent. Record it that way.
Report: 3,50
